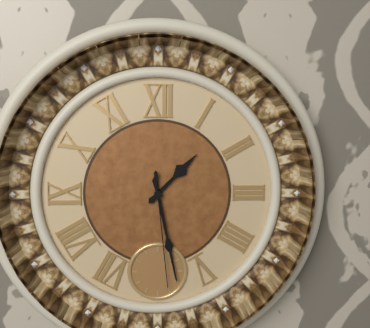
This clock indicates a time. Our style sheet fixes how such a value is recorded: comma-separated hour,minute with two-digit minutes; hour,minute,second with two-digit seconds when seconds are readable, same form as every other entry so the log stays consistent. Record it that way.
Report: 1,28,29
